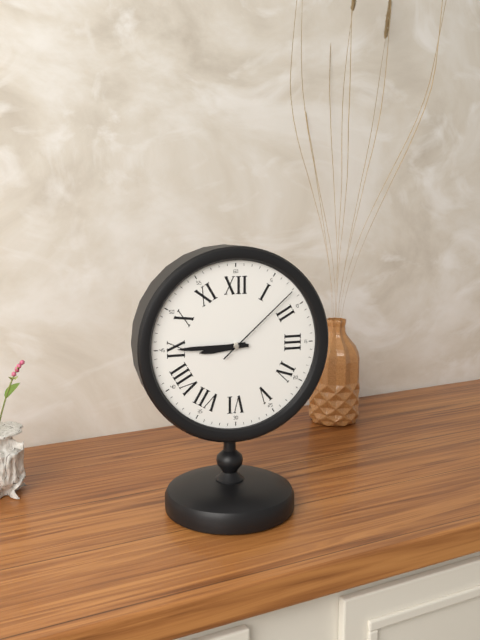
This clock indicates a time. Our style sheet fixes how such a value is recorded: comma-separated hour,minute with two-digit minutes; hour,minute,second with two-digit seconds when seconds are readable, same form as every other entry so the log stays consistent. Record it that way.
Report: 8,45,08
